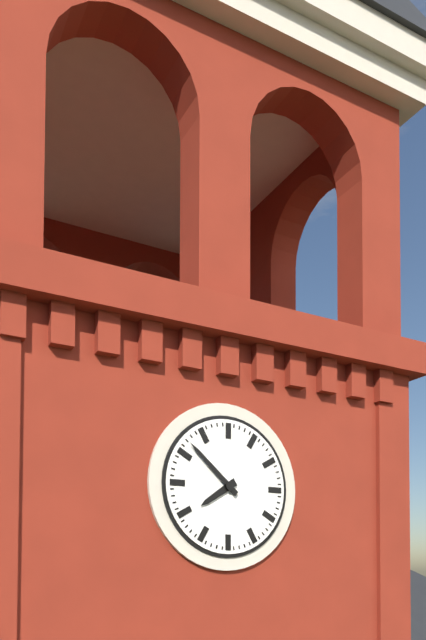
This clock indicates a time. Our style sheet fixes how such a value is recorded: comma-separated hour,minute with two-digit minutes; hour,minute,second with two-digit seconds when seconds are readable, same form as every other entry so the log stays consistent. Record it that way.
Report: 7,52
